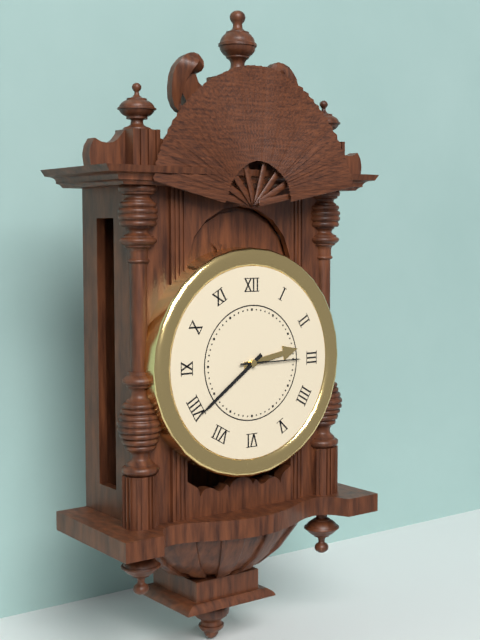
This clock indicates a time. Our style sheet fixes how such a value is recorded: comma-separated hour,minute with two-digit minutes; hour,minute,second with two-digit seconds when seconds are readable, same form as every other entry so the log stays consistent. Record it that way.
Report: 2,39,15
